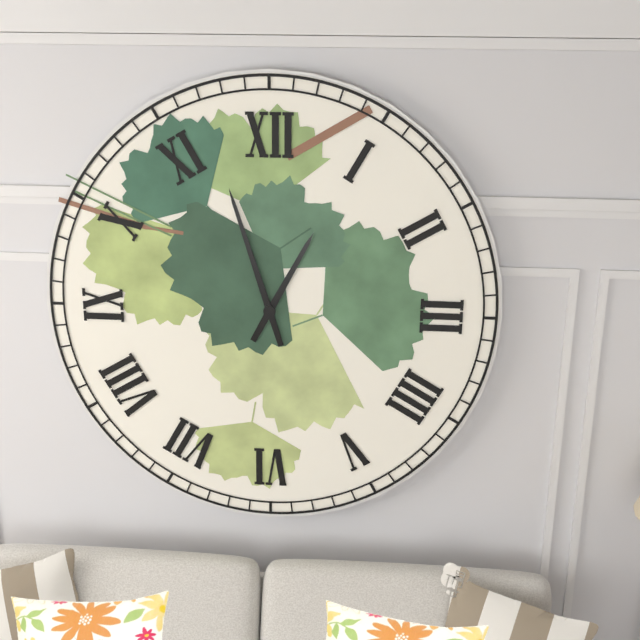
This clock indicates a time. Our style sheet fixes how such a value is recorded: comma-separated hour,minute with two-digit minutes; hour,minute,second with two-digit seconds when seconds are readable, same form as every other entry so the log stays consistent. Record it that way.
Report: 12,57
